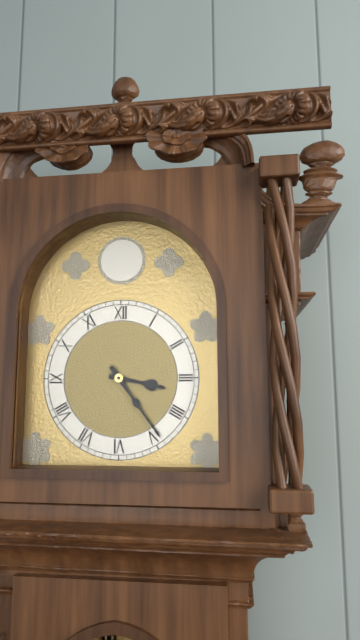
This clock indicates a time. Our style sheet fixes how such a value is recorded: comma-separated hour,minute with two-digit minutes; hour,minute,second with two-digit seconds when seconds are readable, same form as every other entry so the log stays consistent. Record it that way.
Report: 3,24
